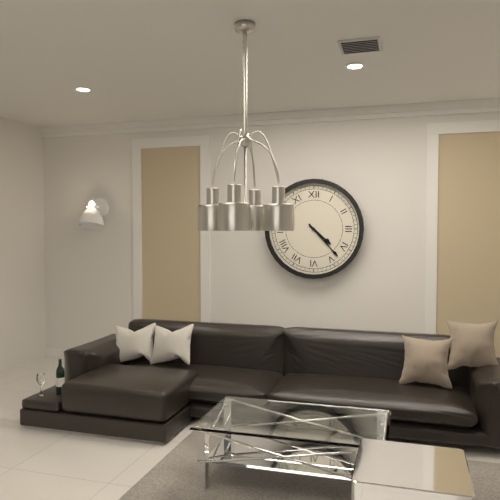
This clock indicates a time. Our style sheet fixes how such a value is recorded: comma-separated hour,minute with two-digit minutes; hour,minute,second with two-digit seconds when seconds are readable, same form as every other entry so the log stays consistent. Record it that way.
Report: 4,23
